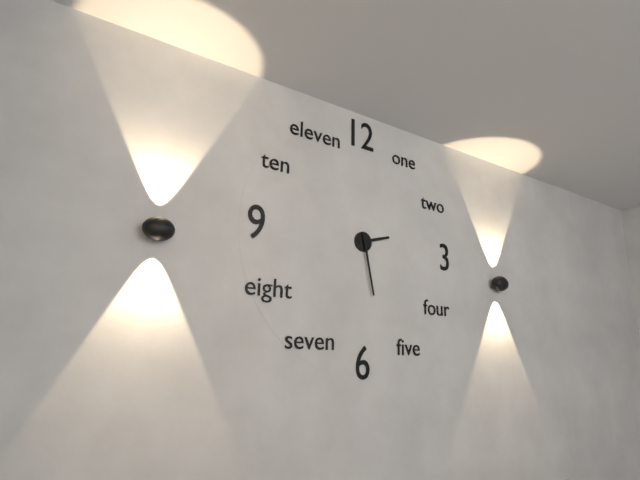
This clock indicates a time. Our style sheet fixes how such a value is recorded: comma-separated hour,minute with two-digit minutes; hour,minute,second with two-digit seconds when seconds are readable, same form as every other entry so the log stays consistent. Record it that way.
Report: 2,28
